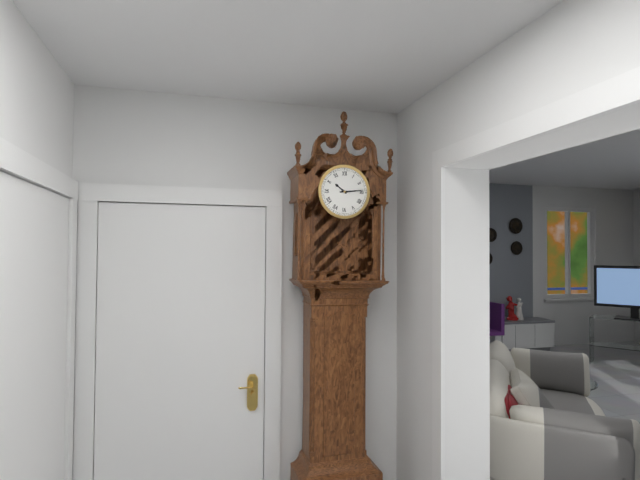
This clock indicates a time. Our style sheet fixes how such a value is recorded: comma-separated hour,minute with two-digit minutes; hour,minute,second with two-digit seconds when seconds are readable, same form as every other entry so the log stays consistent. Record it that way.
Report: 10,14
